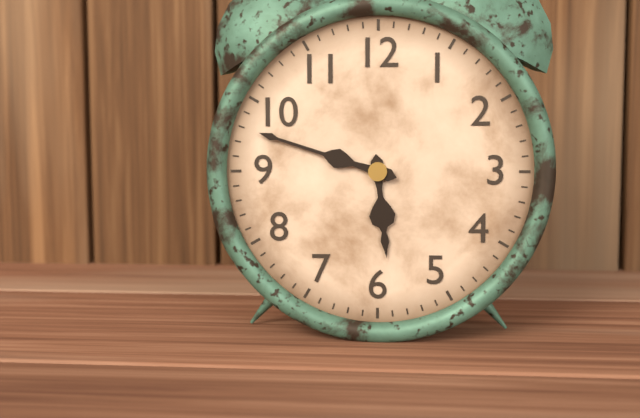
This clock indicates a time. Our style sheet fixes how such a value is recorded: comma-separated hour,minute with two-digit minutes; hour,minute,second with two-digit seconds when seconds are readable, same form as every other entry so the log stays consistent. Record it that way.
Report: 5,48
